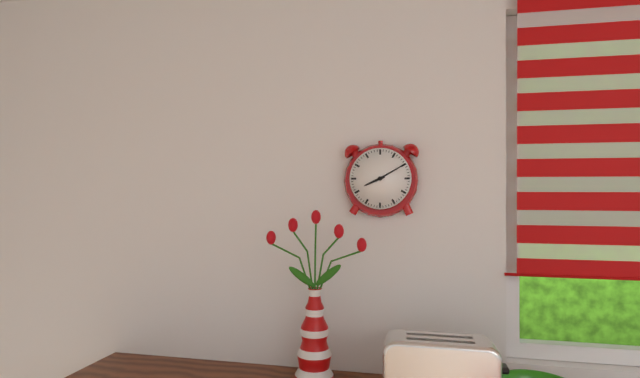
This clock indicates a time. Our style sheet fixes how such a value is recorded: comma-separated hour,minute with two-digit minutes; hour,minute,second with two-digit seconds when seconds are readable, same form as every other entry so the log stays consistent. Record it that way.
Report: 8,10
